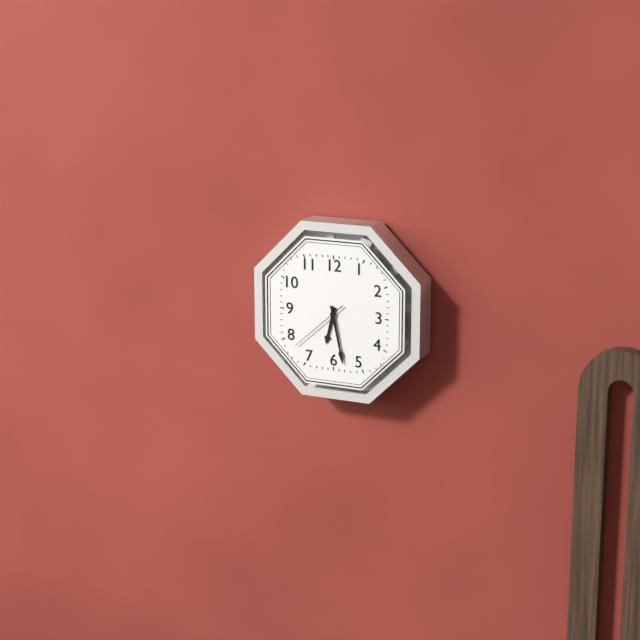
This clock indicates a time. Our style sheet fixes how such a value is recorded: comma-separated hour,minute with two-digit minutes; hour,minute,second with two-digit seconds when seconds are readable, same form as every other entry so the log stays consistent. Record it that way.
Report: 6,28,38
